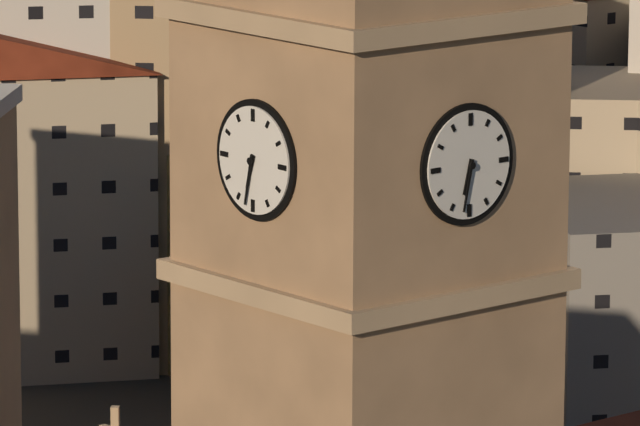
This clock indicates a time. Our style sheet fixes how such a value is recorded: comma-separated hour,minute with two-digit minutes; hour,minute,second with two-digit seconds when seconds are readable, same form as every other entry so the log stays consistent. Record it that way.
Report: 6,32
